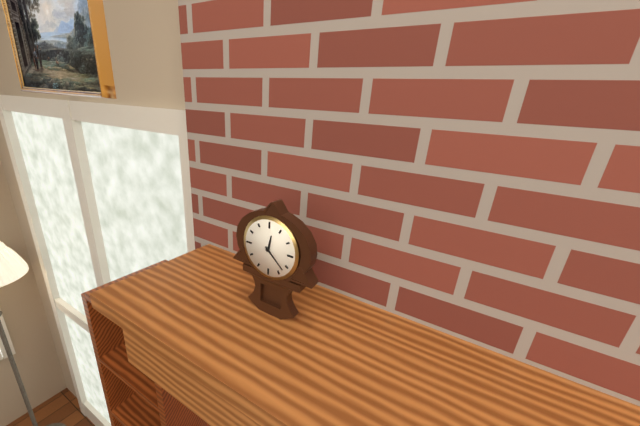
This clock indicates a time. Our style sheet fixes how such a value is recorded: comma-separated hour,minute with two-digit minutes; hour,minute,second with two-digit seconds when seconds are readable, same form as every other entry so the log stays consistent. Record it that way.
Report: 12,22
